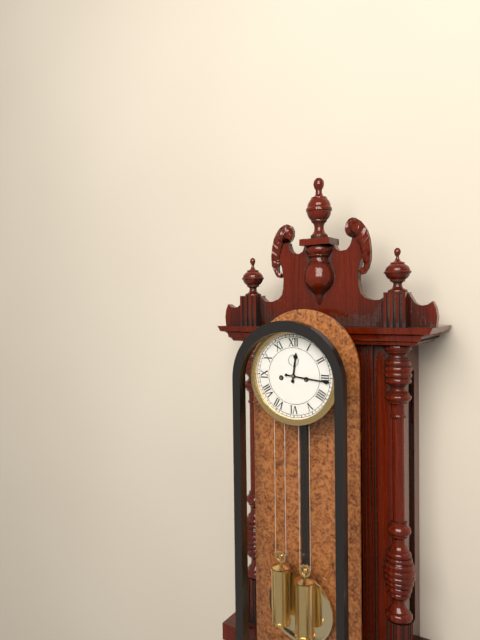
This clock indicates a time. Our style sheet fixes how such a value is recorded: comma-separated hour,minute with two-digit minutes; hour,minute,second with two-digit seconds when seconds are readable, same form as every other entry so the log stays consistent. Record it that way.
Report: 12,16
